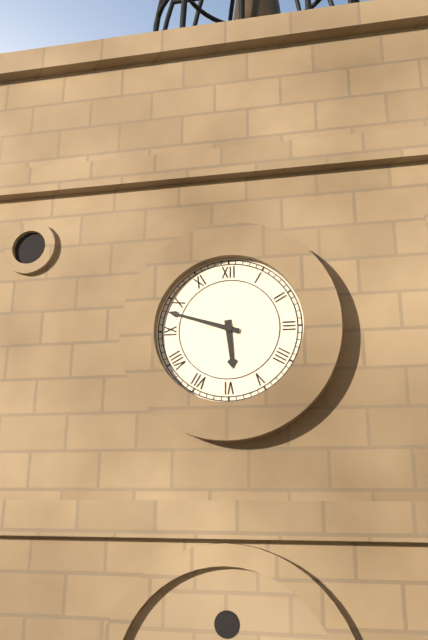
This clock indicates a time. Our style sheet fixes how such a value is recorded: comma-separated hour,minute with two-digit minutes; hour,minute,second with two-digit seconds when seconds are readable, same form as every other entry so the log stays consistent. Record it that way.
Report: 5,48
